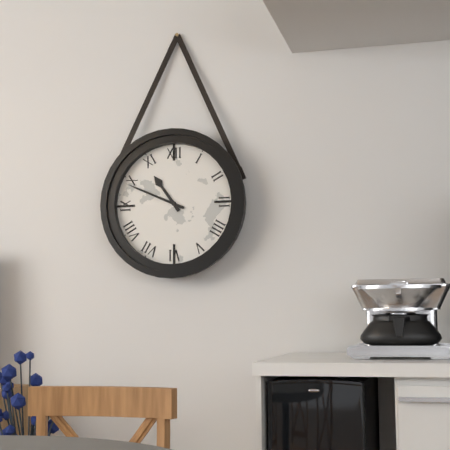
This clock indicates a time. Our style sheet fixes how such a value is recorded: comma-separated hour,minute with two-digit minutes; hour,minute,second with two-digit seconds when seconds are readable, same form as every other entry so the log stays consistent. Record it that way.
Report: 10,49
